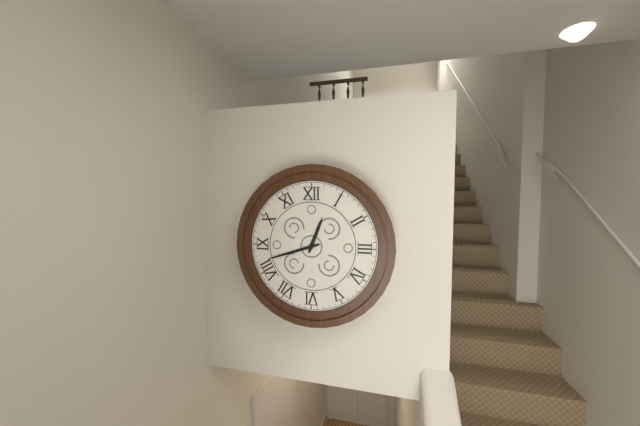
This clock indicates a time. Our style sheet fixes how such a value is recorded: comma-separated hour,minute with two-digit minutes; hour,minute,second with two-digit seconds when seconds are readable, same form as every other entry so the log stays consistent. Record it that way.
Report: 12,42
